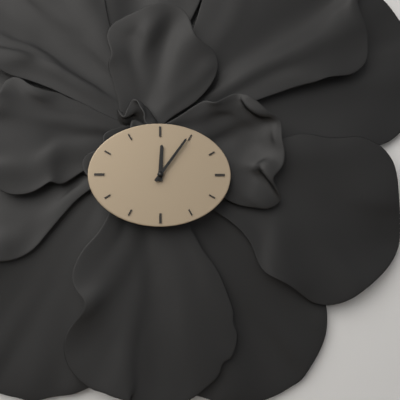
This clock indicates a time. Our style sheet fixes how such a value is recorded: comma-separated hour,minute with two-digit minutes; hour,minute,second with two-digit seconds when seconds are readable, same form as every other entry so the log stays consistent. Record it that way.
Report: 12,06
